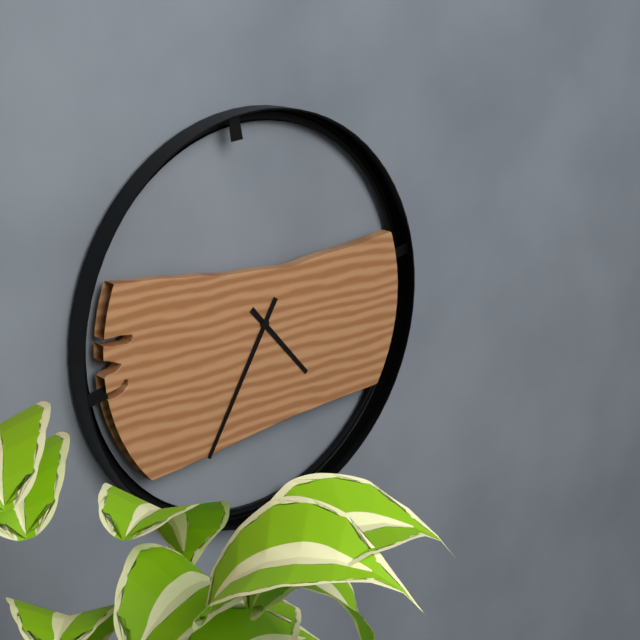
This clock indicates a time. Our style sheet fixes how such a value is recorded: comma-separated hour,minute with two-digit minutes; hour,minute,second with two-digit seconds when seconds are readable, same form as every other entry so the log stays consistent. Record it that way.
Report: 4,35
